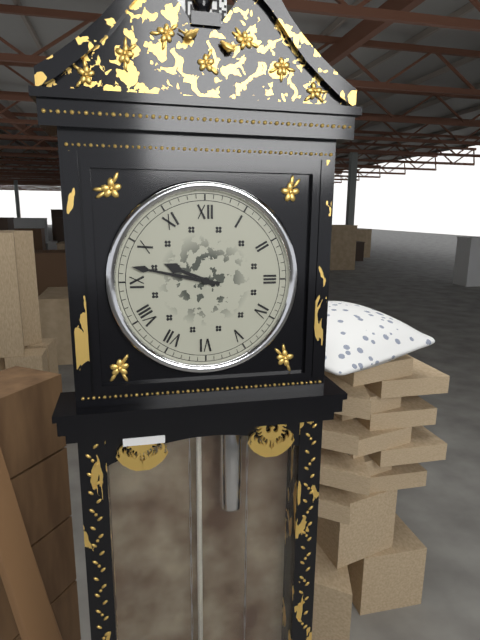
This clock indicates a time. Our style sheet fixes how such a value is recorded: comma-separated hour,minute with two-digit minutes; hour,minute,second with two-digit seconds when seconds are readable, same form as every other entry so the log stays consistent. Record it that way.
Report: 9,47
